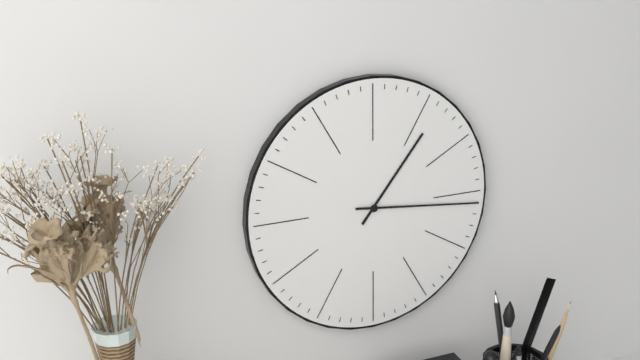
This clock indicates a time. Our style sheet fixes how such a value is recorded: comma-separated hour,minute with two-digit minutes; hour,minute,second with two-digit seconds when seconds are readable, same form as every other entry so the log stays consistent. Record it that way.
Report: 1,16
